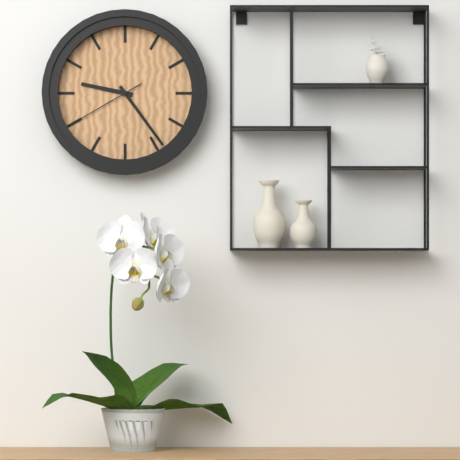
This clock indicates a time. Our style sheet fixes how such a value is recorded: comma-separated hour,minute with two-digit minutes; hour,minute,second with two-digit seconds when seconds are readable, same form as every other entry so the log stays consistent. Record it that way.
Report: 9,24,40
